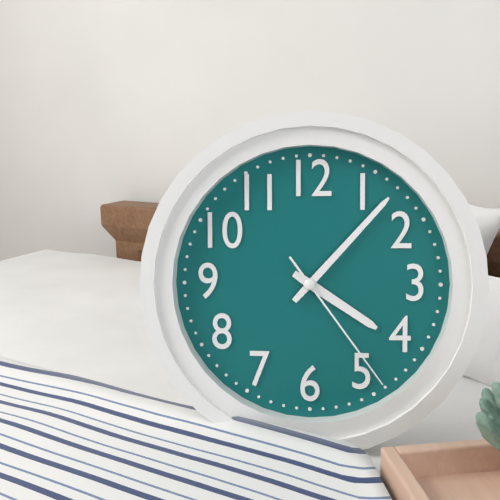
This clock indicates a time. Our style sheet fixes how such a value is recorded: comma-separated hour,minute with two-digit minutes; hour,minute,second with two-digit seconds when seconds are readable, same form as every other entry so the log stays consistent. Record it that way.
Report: 4,07,24
